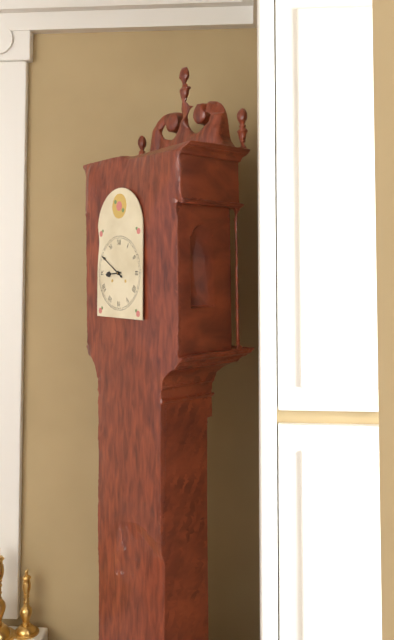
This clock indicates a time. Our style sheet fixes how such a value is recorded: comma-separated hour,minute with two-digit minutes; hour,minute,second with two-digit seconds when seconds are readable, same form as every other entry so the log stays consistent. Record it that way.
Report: 8,50
